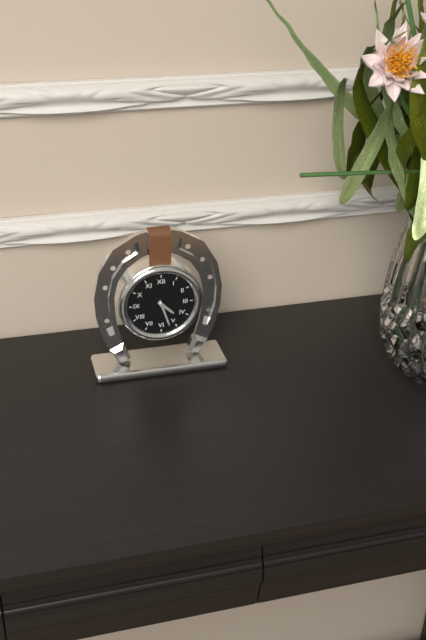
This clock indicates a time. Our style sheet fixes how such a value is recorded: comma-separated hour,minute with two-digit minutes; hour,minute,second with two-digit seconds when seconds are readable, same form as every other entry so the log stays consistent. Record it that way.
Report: 4,27
